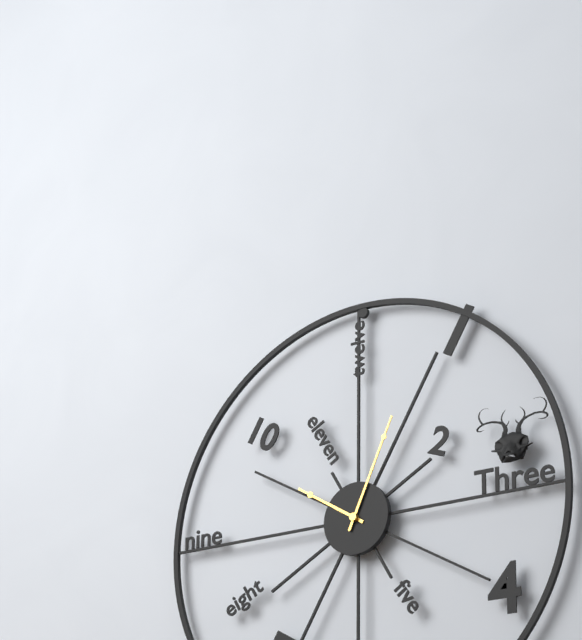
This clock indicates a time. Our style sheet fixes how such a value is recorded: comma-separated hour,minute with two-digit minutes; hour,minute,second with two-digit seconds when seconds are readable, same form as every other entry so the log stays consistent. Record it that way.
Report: 10,04
